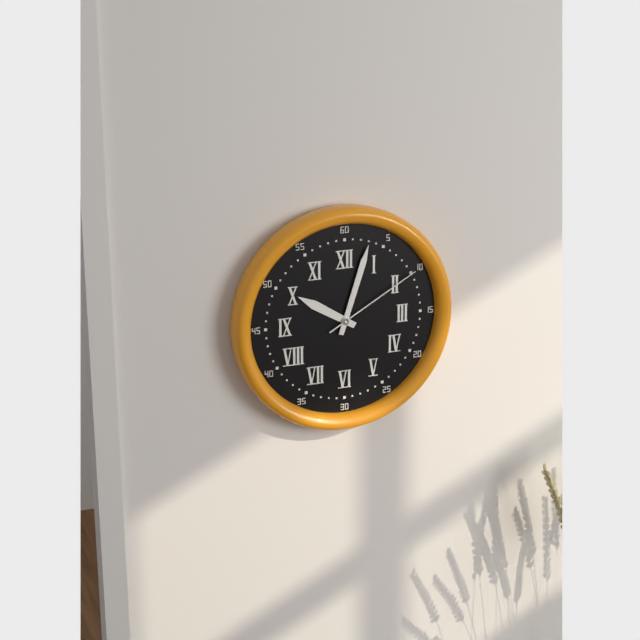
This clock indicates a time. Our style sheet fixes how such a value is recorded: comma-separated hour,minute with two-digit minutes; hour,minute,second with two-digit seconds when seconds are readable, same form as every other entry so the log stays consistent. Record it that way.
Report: 10,03,10
